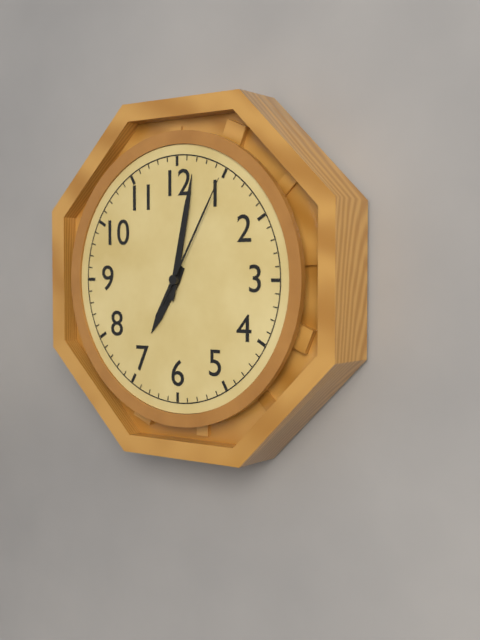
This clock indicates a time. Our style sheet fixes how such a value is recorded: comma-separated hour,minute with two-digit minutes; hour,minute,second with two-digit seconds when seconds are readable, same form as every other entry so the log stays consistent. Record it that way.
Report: 7,02,05
